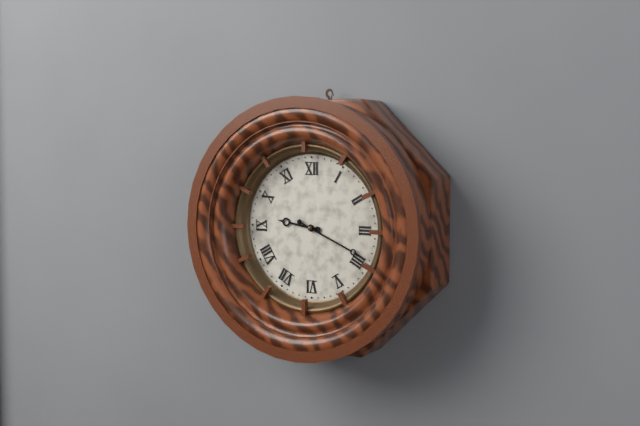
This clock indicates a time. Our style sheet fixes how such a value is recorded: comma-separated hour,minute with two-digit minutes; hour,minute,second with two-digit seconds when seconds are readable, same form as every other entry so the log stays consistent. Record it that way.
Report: 9,19
